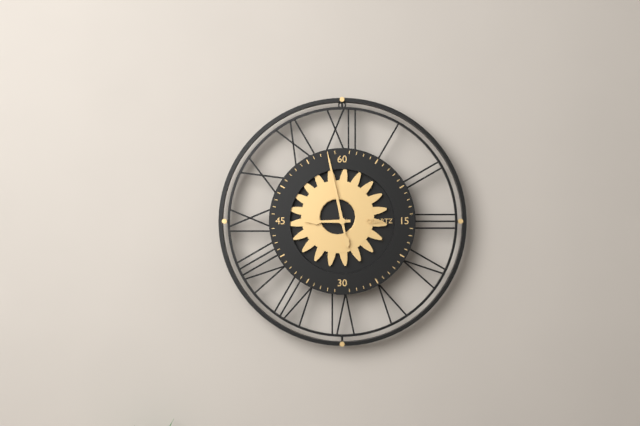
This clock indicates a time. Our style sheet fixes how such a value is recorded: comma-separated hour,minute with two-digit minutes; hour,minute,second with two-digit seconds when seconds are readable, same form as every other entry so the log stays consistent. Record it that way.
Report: 8,58
